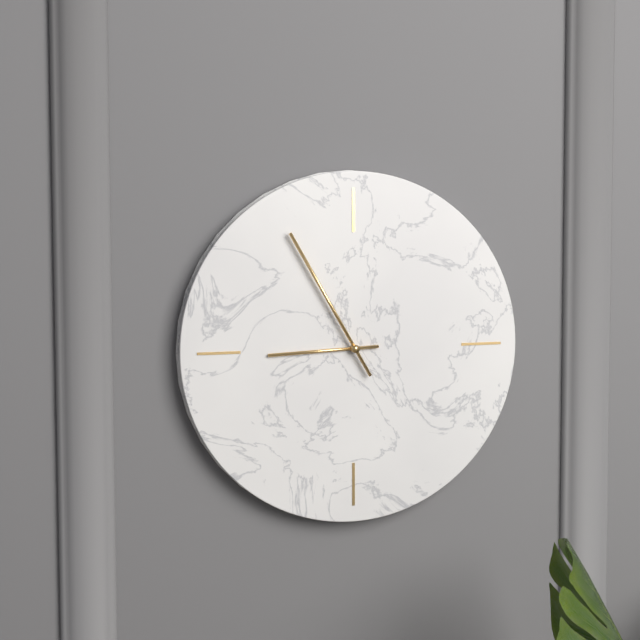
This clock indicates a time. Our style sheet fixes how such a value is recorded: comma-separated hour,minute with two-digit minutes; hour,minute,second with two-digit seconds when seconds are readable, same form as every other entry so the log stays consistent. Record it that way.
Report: 8,55
